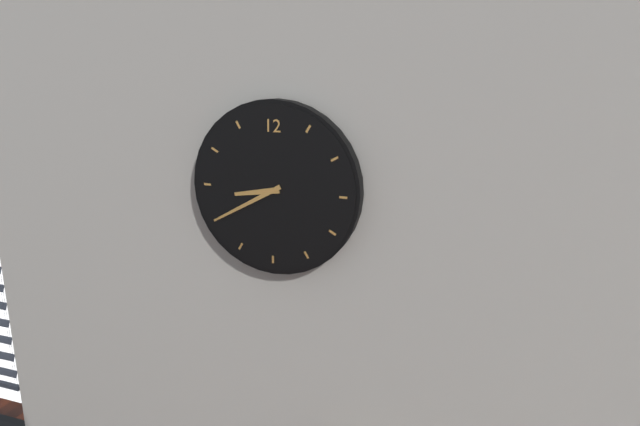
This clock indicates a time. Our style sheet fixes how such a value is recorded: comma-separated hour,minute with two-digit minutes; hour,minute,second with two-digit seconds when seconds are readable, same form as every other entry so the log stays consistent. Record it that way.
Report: 8,40
